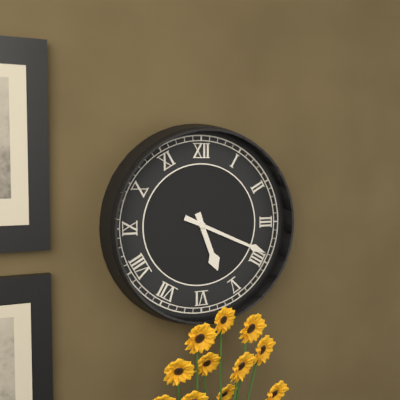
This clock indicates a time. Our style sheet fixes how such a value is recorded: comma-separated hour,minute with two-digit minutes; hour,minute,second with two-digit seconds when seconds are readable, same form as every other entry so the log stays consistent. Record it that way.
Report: 5,19
